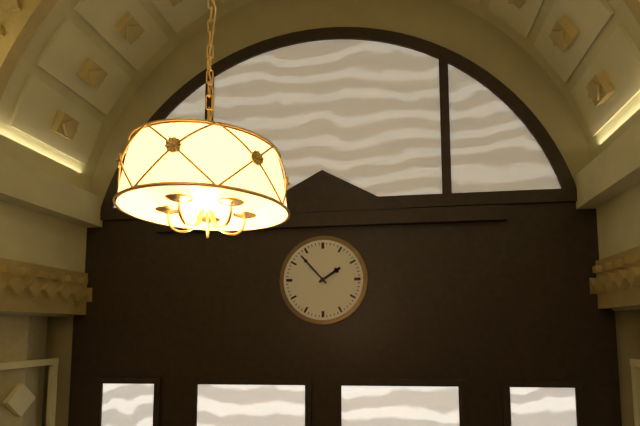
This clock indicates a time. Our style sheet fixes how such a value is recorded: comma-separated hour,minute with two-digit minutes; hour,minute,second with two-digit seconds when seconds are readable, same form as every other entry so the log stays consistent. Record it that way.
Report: 1,53
